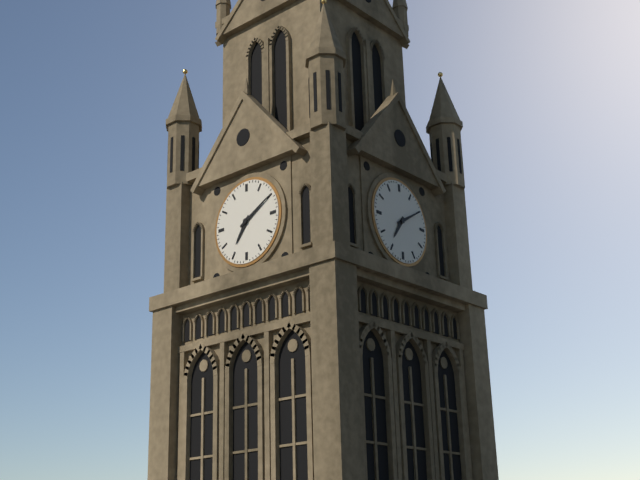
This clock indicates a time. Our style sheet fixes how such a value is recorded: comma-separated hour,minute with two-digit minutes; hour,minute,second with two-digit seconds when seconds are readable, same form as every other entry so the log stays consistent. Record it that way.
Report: 7,10
